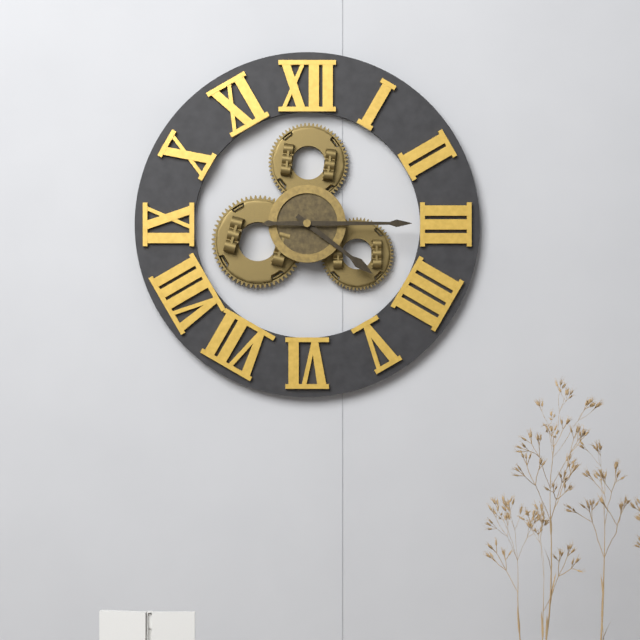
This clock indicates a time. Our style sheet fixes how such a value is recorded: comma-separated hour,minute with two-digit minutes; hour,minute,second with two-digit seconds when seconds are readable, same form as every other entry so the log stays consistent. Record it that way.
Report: 4,15
